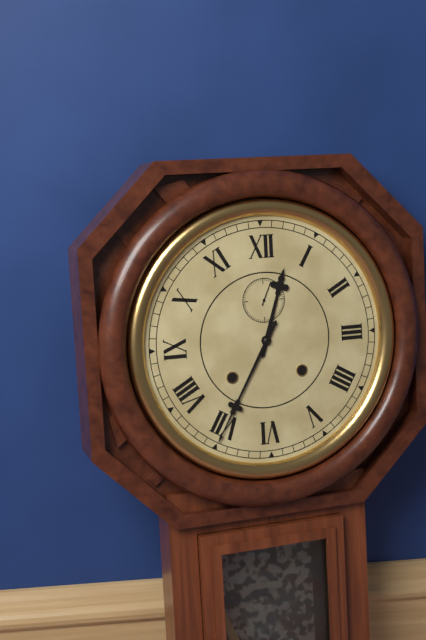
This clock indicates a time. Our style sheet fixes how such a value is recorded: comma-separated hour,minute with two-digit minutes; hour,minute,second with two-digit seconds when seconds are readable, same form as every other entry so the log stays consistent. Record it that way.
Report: 12,35
